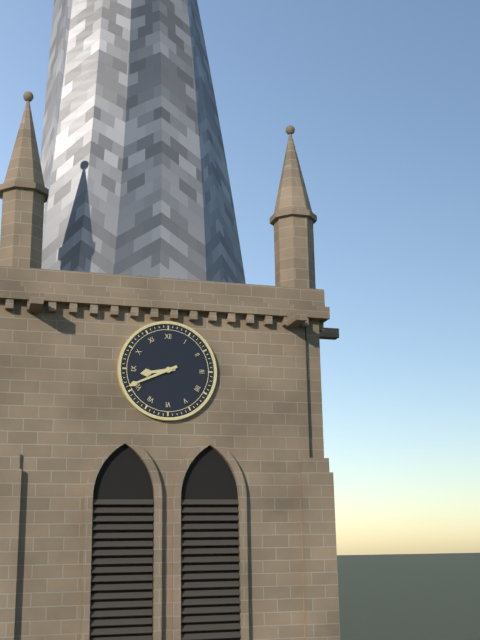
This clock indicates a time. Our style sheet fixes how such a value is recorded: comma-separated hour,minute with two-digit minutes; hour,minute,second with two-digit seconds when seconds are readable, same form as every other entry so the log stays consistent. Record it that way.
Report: 8,41
